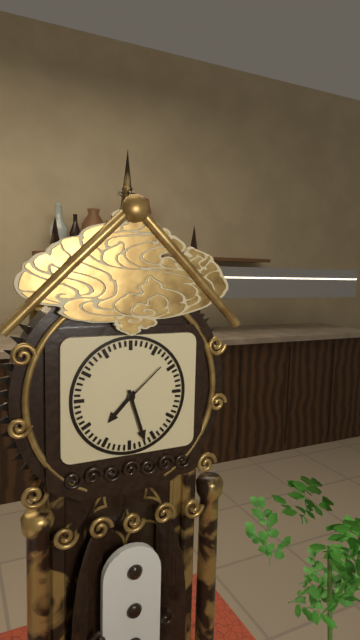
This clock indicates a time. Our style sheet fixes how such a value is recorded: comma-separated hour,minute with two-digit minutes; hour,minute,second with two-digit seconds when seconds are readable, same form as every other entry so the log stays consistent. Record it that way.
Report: 7,27,08
